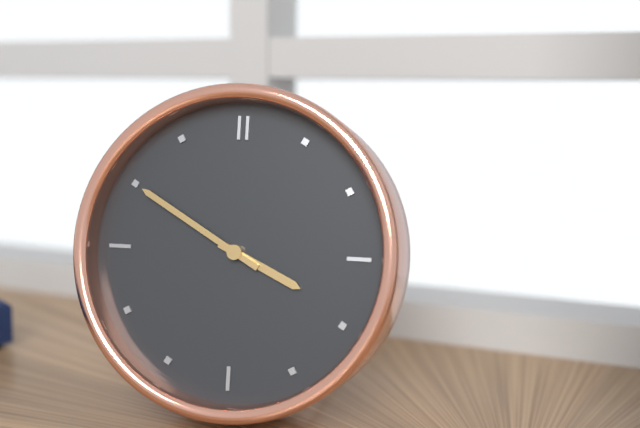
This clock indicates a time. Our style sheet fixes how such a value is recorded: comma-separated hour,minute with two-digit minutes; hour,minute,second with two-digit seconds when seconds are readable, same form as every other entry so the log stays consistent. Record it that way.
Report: 3,50
